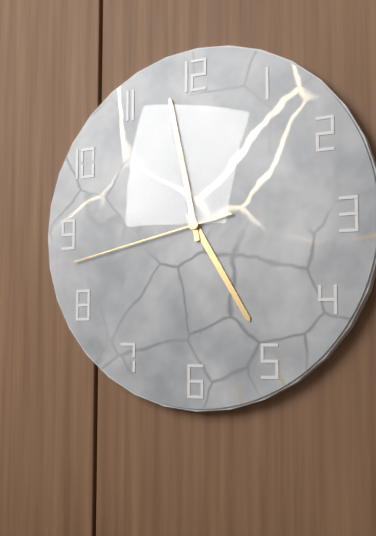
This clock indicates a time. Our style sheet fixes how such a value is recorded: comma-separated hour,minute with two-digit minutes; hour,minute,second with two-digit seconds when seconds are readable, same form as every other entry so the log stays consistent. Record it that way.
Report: 4,58,43
